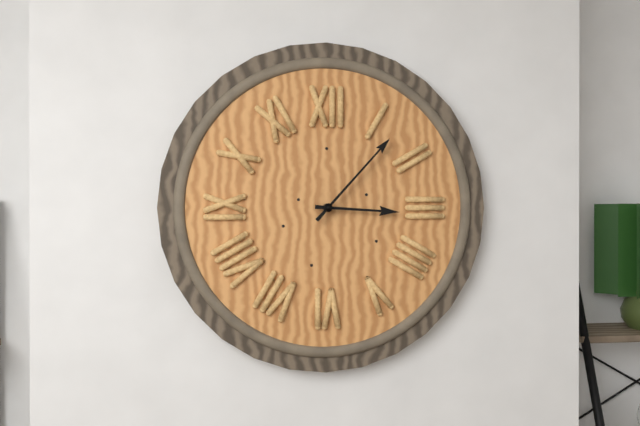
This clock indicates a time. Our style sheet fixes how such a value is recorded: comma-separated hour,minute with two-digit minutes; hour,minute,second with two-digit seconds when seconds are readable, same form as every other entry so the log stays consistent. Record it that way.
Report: 3,07
